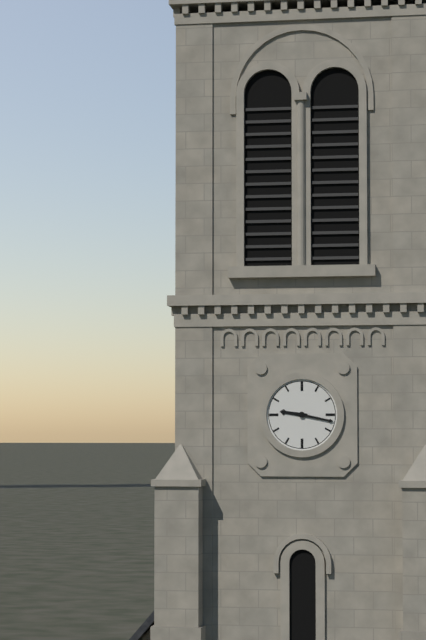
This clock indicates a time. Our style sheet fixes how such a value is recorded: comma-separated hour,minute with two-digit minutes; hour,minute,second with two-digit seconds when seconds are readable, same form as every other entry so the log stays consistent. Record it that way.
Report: 9,17
